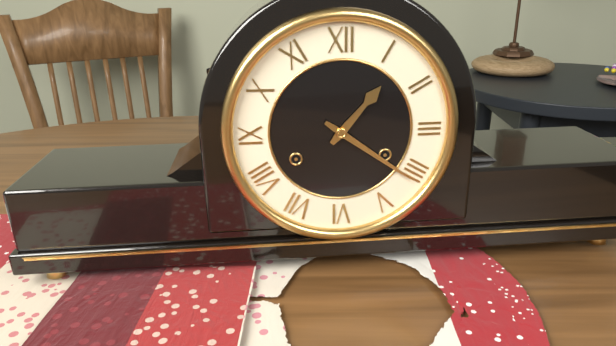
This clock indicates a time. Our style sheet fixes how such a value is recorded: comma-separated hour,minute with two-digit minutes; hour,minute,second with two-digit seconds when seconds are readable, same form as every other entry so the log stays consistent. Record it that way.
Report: 1,21
